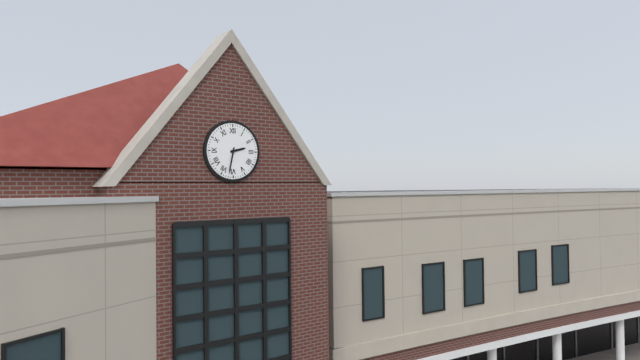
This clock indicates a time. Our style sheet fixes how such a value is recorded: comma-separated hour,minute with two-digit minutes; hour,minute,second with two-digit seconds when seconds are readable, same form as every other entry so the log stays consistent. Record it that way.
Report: 2,32
